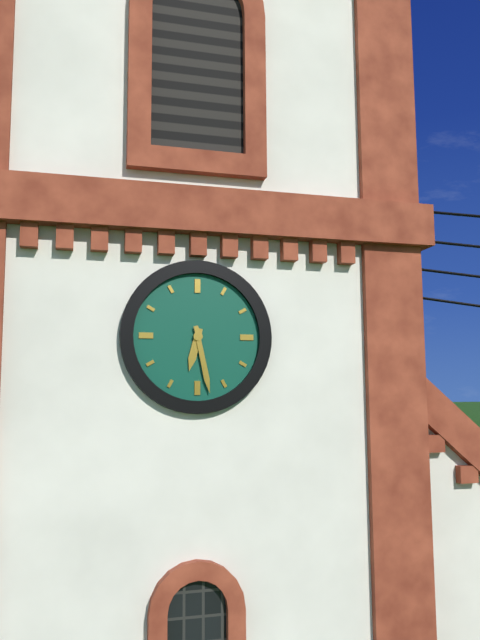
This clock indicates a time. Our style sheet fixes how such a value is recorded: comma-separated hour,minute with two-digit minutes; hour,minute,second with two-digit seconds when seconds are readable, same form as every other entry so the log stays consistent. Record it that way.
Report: 6,28
